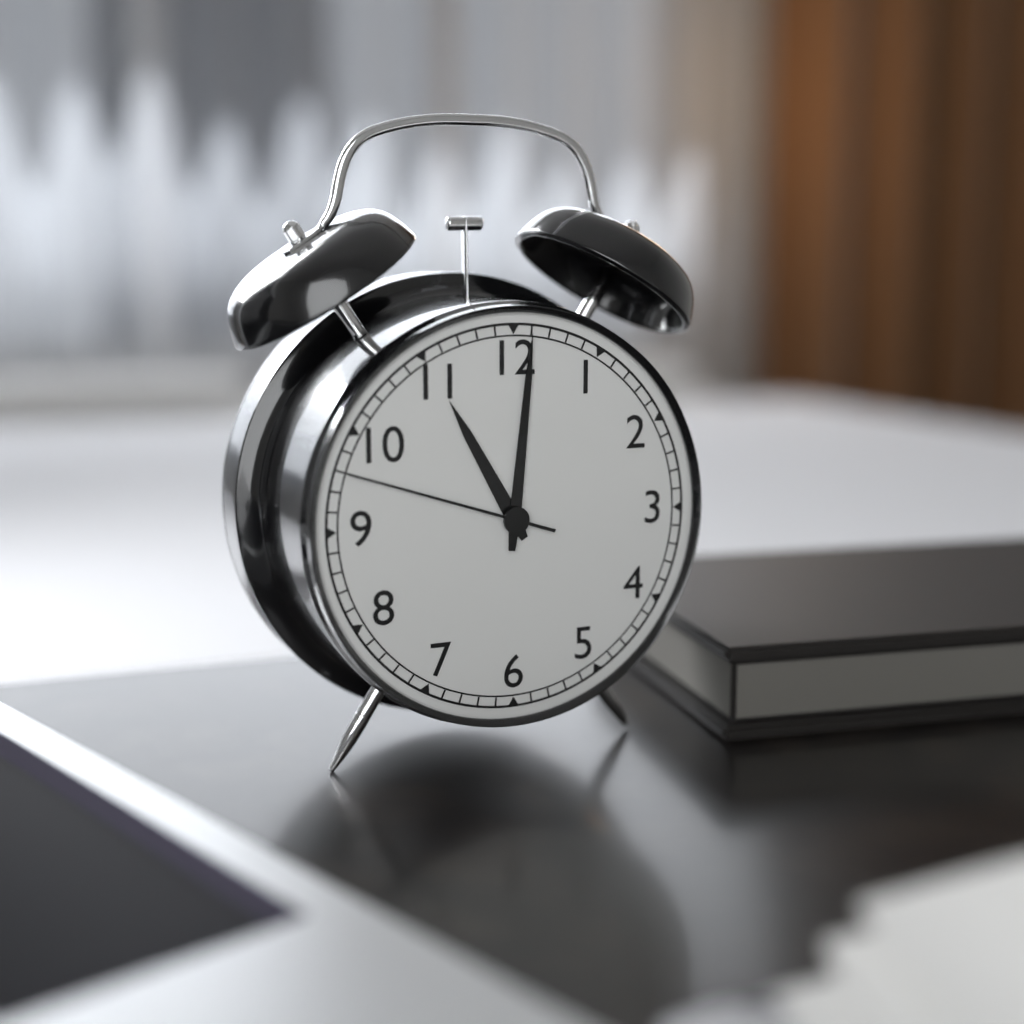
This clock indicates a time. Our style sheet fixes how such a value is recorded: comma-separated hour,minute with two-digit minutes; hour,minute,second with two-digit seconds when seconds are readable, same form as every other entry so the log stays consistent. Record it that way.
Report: 11,01,48
